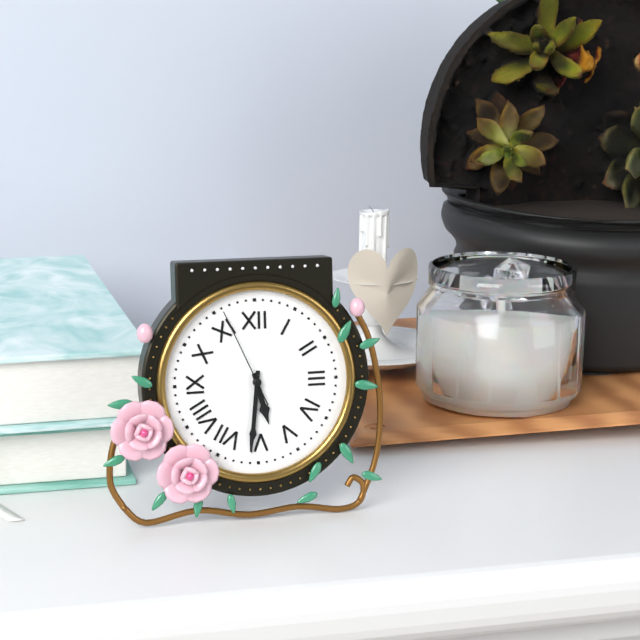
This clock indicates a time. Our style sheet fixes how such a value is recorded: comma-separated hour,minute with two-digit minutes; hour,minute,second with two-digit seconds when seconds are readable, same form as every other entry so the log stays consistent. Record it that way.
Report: 5,31,56
